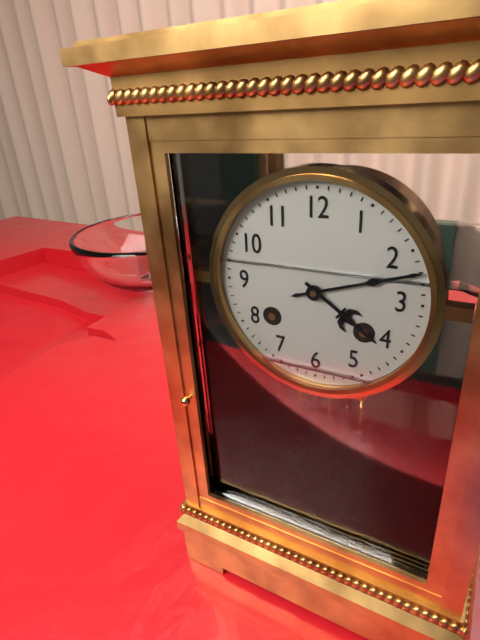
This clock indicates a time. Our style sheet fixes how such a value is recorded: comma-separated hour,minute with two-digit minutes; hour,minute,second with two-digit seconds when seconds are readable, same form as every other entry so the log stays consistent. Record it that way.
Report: 4,12
